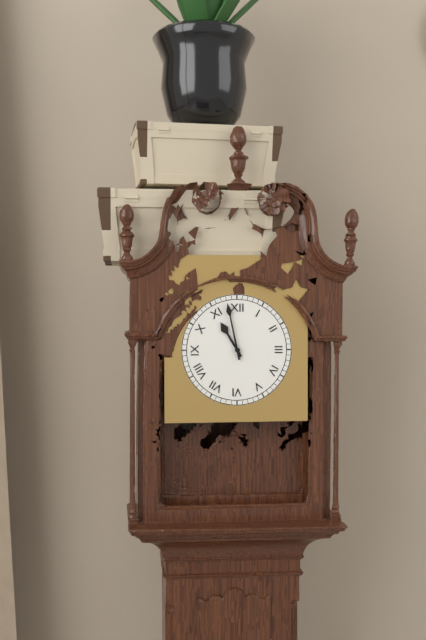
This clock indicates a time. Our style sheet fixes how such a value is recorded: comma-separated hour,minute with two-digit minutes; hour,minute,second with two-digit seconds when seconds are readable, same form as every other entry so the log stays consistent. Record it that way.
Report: 10,58
